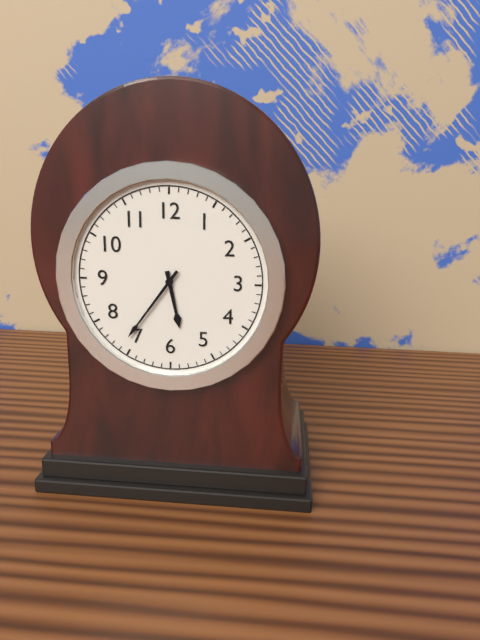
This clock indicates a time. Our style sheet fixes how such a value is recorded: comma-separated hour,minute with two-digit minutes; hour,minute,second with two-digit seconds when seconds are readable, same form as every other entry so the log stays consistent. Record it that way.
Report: 5,36
